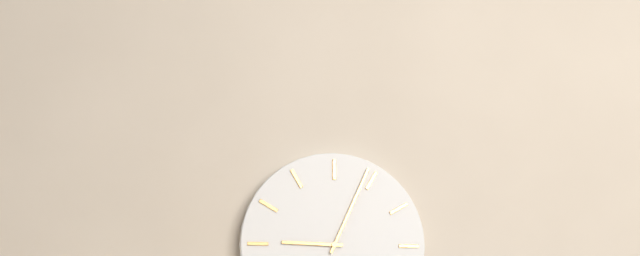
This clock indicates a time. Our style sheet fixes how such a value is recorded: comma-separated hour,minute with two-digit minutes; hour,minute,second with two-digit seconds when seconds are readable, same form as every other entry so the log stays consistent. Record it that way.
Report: 9,04
